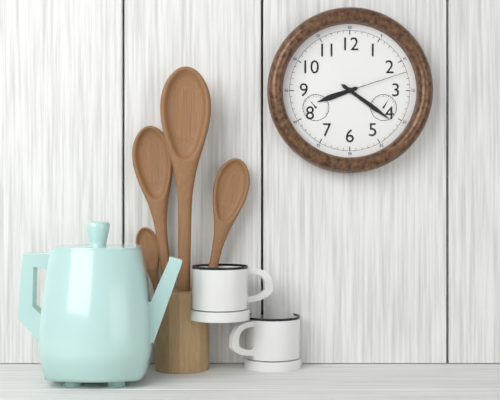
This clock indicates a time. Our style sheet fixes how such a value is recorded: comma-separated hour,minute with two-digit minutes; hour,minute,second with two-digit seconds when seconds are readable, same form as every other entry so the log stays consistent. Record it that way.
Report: 8,21,12
